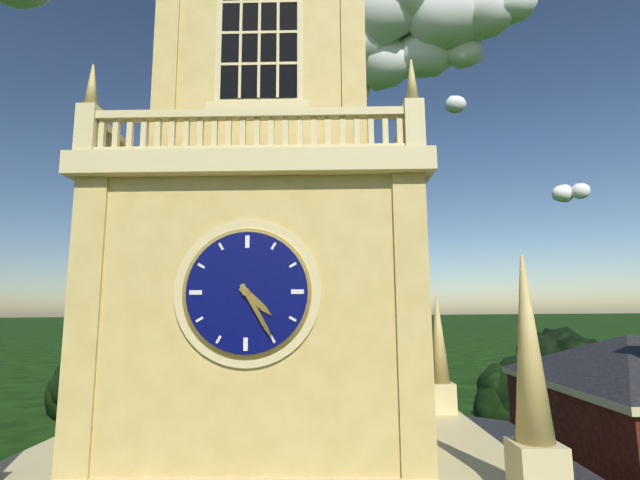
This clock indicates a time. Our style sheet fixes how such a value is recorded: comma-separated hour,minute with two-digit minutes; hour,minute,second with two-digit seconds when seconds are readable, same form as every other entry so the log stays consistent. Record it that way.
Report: 4,25
